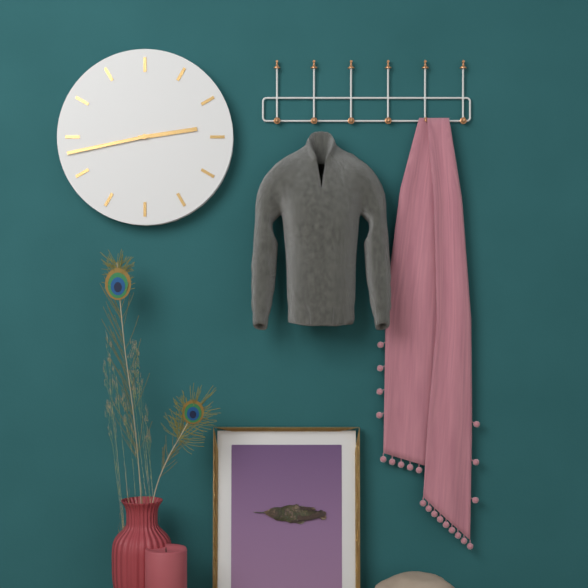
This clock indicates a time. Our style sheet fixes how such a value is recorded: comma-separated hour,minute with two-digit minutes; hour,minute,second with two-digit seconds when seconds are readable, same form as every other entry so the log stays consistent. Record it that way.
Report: 2,43
